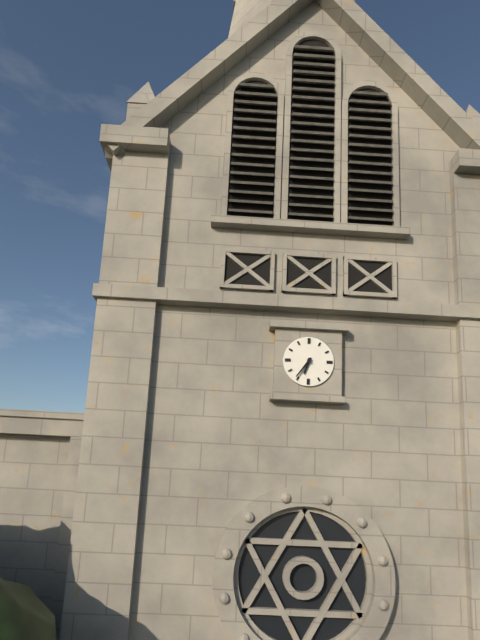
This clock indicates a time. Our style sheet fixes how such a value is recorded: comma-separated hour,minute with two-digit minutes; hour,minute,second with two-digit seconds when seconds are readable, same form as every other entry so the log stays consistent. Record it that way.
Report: 6,36
